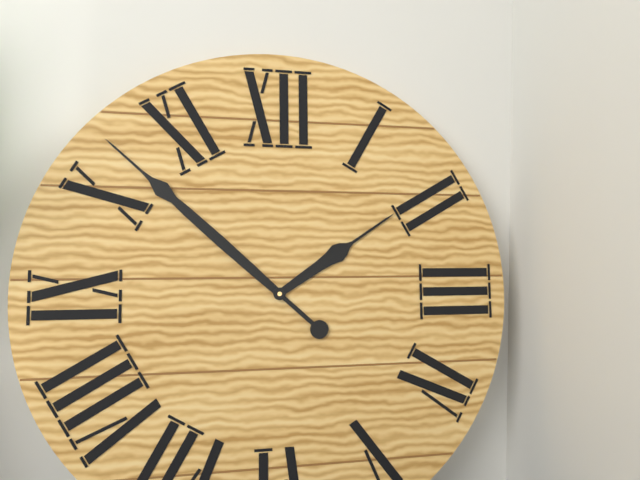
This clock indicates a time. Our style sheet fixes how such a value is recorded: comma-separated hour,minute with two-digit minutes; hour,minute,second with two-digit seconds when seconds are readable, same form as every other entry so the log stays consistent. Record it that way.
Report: 1,52
